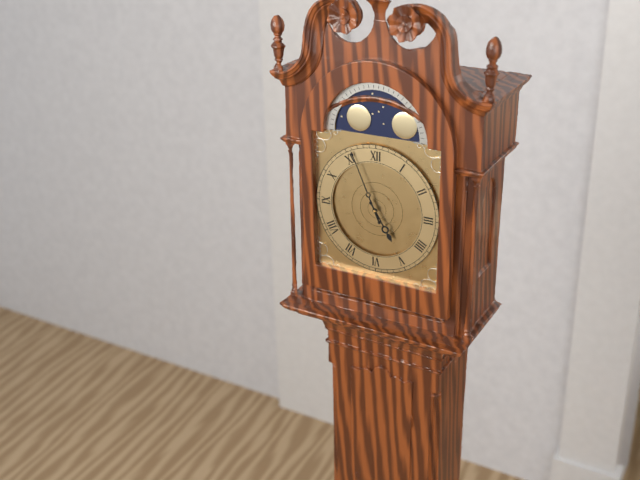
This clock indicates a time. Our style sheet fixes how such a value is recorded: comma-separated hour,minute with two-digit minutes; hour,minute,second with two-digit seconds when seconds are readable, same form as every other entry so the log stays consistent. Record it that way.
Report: 4,56
